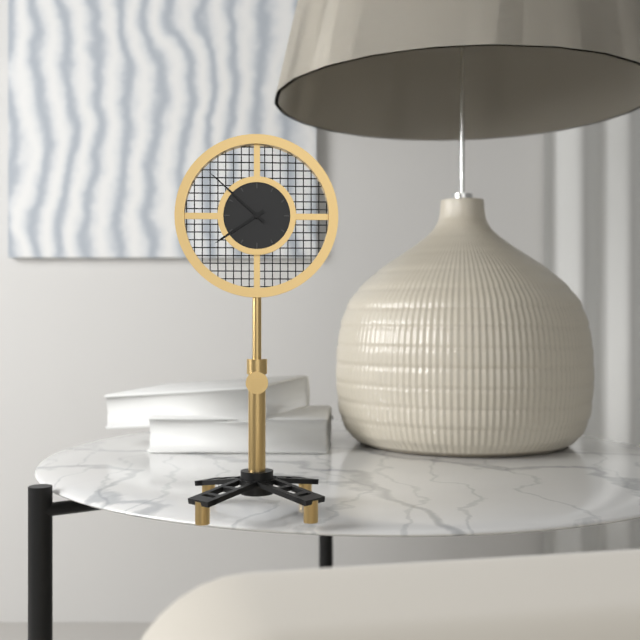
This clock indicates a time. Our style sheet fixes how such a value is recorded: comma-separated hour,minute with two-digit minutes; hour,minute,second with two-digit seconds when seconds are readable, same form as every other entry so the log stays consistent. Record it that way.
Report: 7,52
